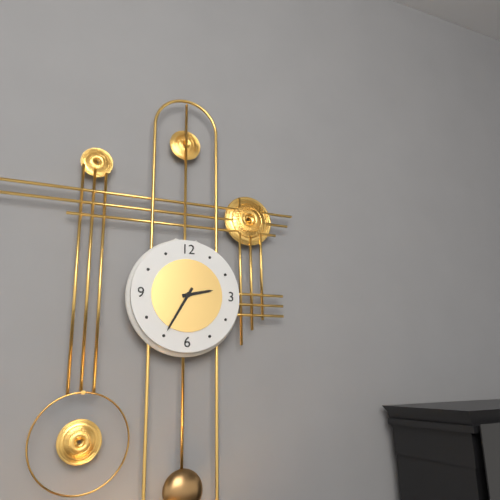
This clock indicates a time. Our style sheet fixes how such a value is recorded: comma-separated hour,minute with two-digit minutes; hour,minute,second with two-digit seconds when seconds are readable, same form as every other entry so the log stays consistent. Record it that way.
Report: 2,35
